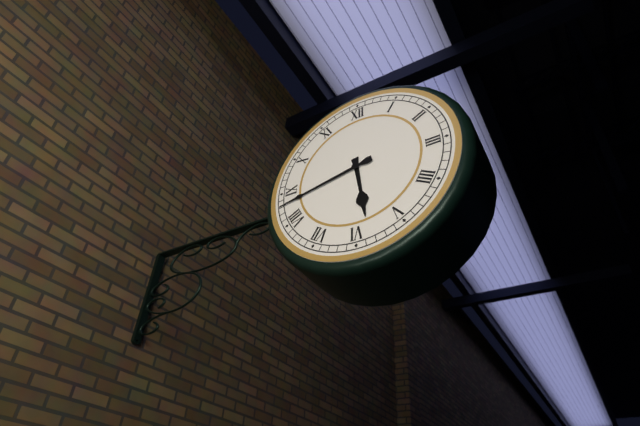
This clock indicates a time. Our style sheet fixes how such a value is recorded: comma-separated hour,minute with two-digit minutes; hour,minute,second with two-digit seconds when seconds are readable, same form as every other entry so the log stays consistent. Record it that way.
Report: 5,43
